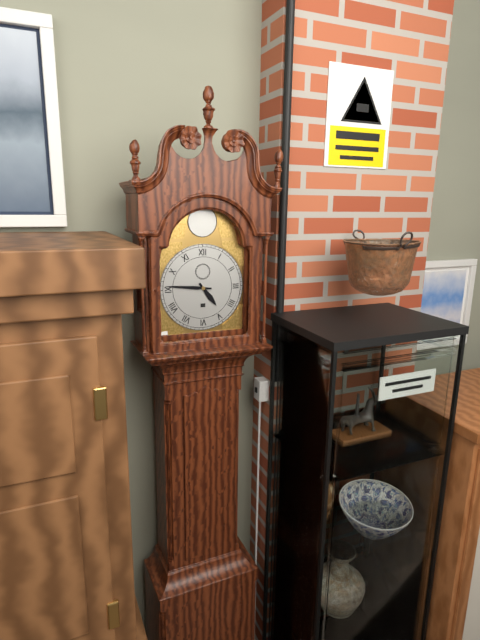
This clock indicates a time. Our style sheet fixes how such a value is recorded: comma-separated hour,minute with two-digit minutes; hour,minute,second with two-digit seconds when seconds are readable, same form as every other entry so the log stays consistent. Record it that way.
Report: 4,46
